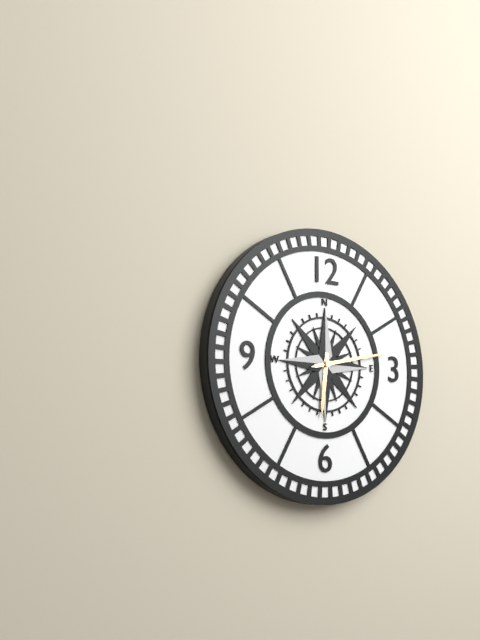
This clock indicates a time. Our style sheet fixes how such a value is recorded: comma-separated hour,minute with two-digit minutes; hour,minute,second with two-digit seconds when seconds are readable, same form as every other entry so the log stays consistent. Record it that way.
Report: 6,13,13
